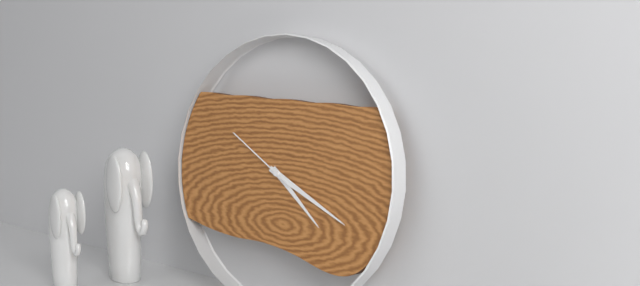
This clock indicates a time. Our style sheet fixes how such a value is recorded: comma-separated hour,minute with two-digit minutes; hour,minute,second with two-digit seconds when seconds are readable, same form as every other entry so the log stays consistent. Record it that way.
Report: 4,19,50
